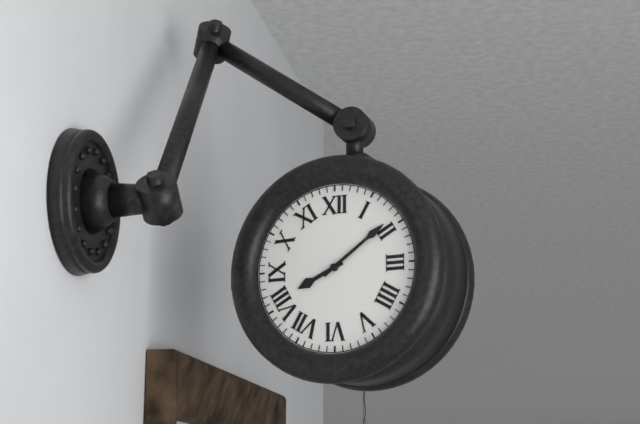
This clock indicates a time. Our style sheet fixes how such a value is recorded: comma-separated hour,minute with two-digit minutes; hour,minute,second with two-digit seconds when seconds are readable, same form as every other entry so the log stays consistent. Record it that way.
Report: 8,09
